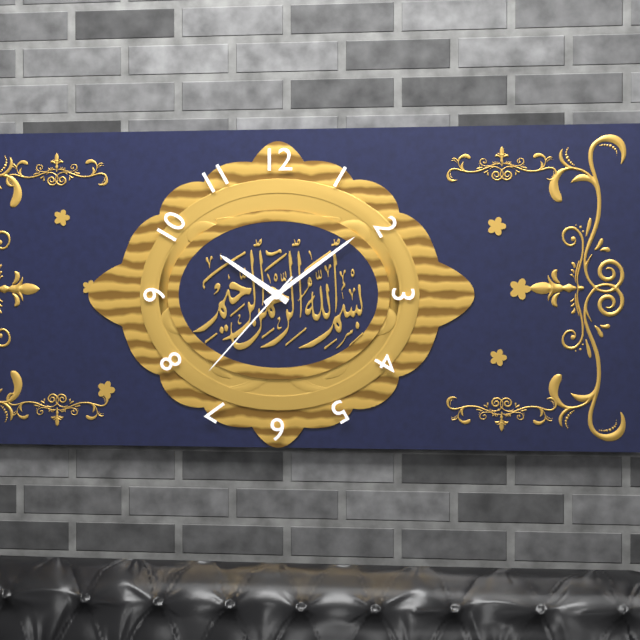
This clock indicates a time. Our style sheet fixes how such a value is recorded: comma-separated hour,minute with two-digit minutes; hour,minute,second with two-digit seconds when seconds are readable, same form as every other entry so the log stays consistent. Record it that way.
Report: 10,09,37
